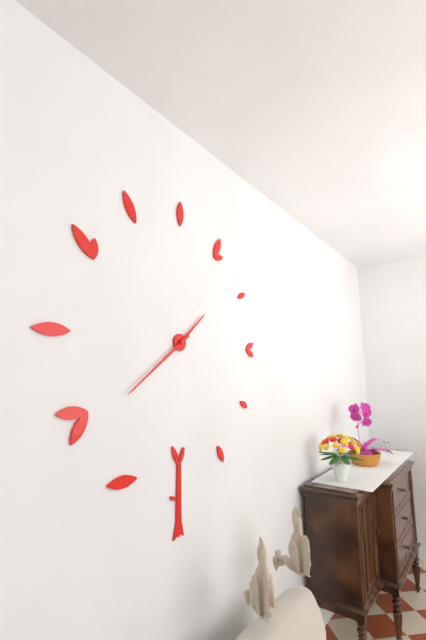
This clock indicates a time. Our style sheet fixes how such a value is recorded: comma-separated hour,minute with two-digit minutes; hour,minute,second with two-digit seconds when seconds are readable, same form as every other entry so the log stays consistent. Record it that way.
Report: 1,39
